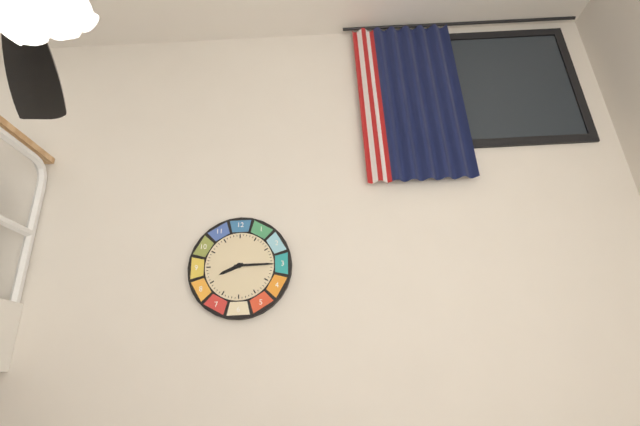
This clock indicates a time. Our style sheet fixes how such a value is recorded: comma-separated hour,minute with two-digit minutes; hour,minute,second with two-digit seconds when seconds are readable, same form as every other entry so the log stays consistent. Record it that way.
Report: 8,15
